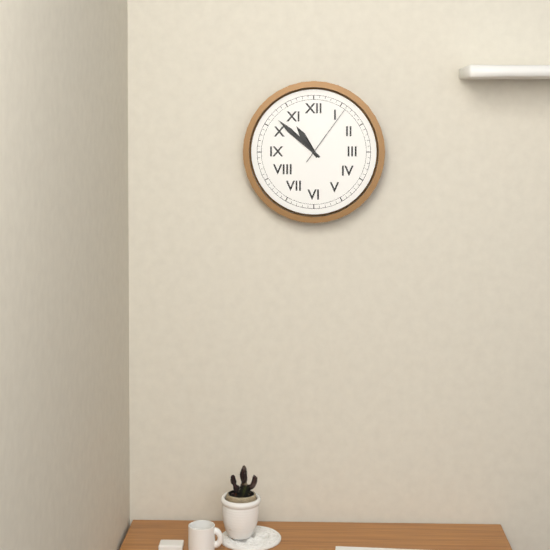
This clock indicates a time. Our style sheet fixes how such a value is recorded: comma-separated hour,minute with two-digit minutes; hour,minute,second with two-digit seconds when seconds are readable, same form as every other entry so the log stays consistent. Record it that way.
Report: 10,52,06
